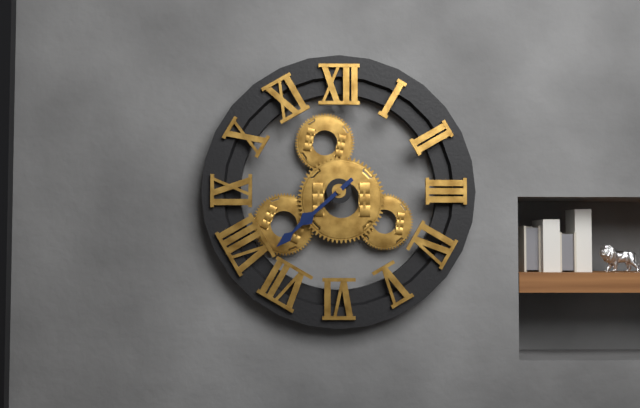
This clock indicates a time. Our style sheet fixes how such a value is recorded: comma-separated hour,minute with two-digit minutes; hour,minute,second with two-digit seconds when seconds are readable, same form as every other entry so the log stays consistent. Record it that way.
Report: 7,38
